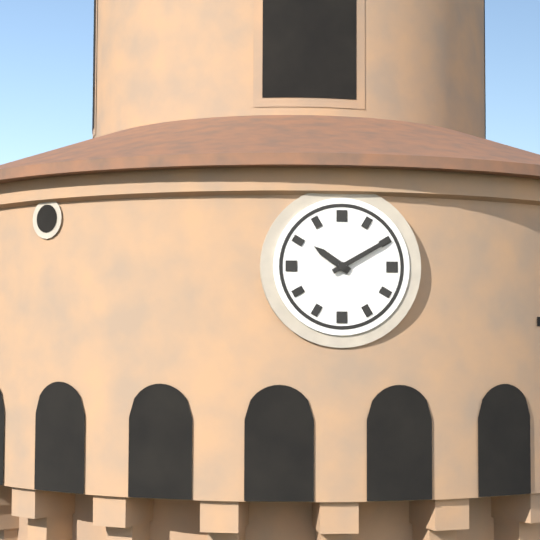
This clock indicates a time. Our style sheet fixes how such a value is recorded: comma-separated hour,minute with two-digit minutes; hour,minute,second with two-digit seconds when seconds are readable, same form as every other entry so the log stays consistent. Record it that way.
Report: 10,10
